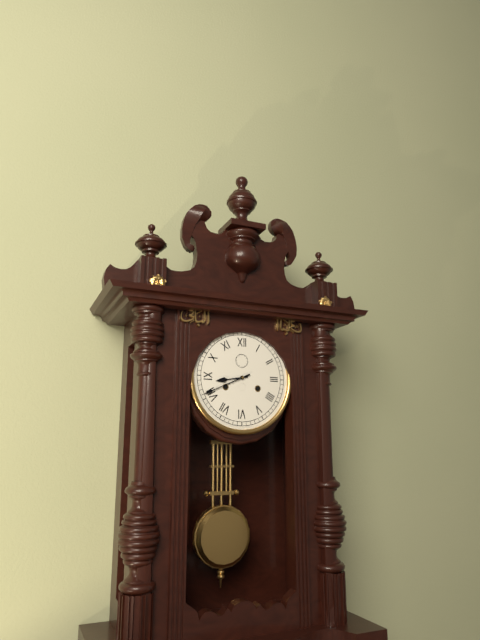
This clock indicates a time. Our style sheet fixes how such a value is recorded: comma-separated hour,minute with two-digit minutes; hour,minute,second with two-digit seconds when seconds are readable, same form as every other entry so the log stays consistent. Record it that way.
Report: 8,41
